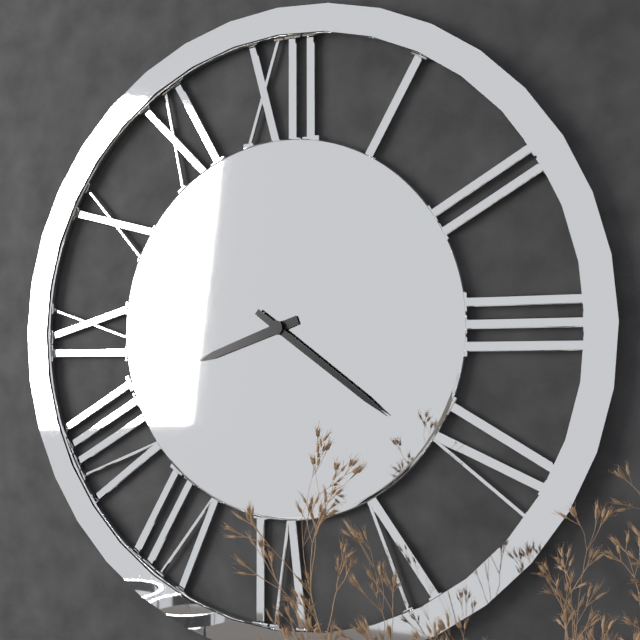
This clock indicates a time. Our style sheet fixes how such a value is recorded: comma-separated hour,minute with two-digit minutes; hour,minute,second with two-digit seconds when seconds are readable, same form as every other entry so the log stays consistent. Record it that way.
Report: 8,21
